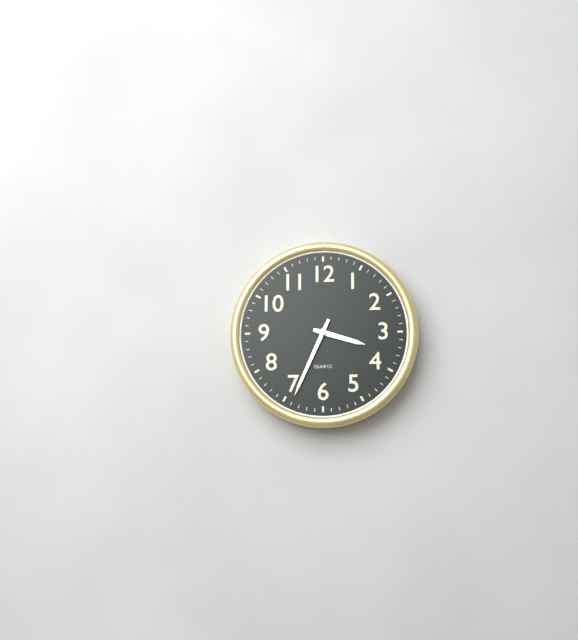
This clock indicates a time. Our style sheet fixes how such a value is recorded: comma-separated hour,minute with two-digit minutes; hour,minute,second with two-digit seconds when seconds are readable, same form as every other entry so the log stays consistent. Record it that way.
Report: 3,34
